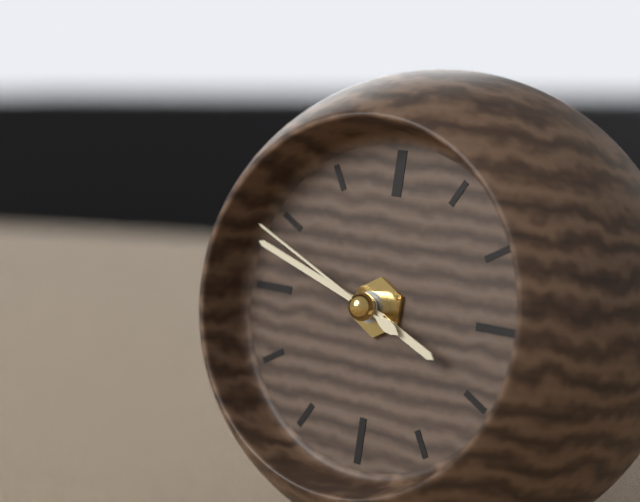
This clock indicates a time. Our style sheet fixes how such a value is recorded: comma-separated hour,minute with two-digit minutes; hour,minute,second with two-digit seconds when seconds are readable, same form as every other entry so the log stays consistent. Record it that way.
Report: 3,48,49
